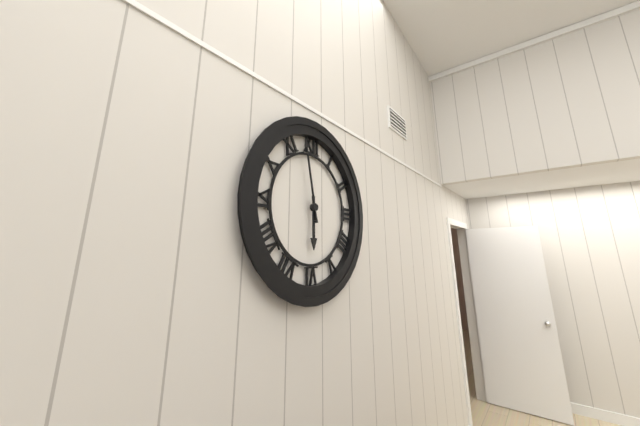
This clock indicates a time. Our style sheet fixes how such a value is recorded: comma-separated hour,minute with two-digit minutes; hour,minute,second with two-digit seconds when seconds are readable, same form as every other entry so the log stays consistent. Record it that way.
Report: 5,58
